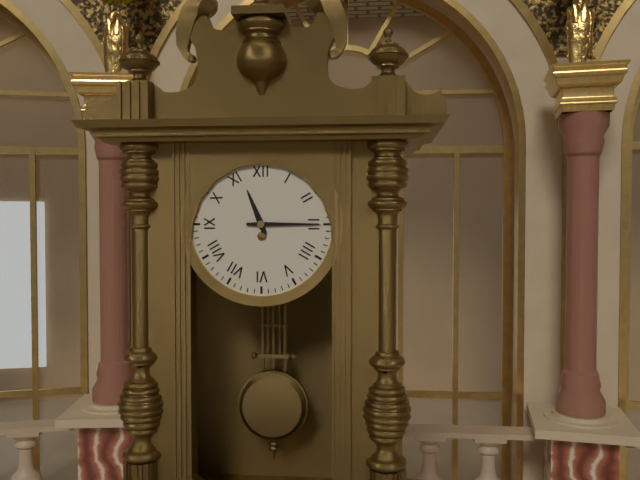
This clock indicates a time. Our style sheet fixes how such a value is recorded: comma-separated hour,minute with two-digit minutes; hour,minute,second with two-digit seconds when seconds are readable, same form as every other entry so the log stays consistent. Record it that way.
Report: 11,15
